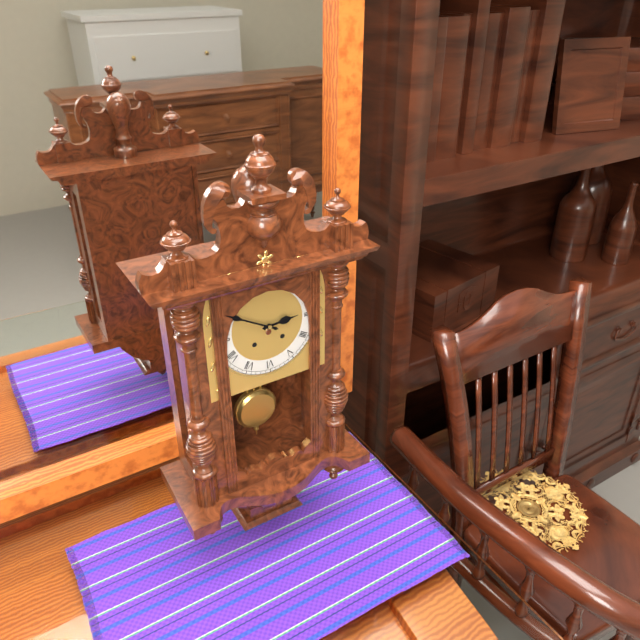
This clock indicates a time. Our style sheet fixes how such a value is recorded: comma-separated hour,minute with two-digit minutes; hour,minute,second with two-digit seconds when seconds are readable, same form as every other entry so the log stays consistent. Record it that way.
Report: 2,50
